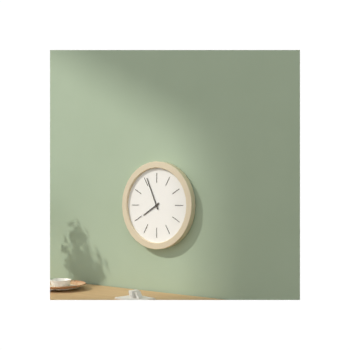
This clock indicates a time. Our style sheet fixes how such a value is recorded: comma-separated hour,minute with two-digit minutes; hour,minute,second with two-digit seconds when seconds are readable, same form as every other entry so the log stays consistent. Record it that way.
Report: 7,56
